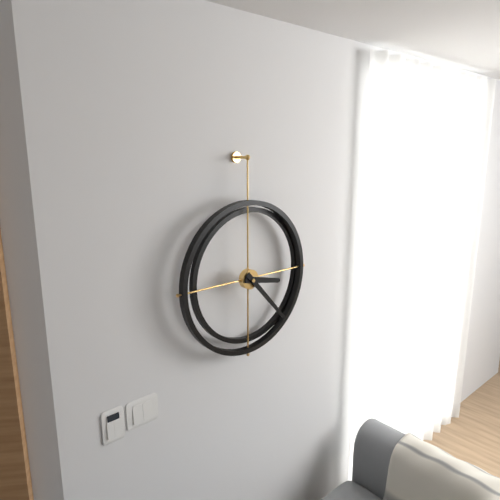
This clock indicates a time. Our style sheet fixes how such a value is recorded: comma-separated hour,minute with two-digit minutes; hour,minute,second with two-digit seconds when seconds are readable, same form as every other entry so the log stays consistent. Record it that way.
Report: 3,23
